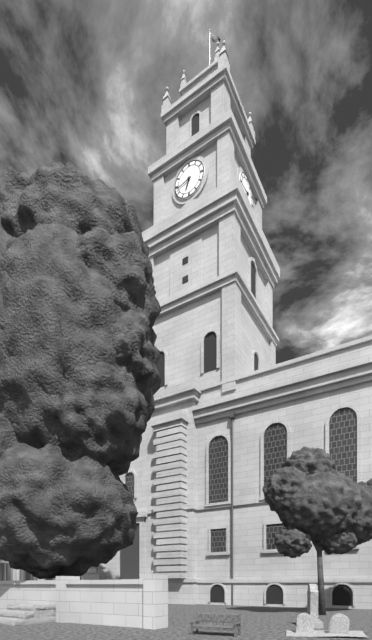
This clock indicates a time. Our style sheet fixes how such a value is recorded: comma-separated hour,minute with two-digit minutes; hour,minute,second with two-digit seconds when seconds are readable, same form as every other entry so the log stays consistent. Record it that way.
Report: 6,43
